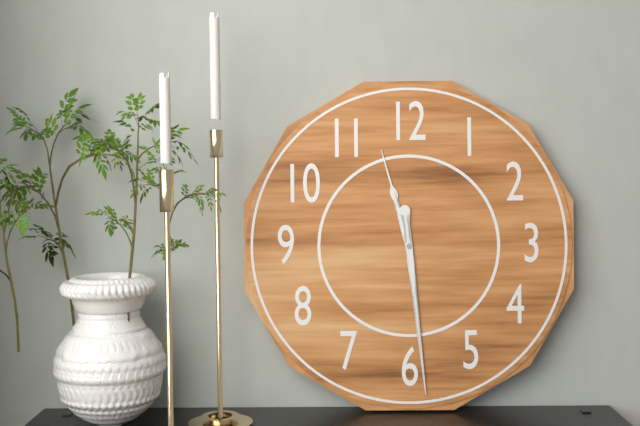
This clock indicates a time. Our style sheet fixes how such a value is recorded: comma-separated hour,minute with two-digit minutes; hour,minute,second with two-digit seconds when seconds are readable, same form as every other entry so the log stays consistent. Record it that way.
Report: 11,29
